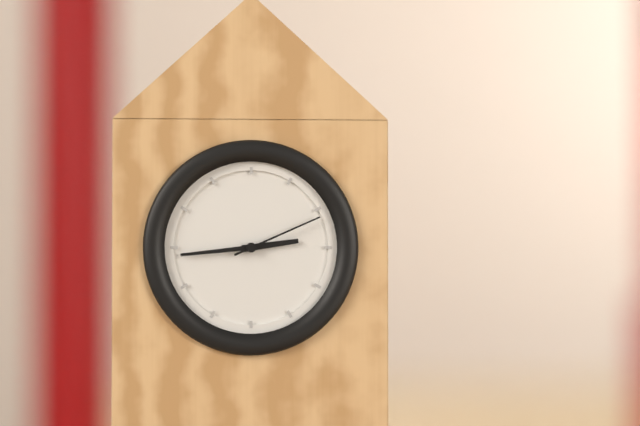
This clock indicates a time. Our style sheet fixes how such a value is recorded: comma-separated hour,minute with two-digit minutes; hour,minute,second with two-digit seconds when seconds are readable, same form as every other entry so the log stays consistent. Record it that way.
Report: 2,44,11
